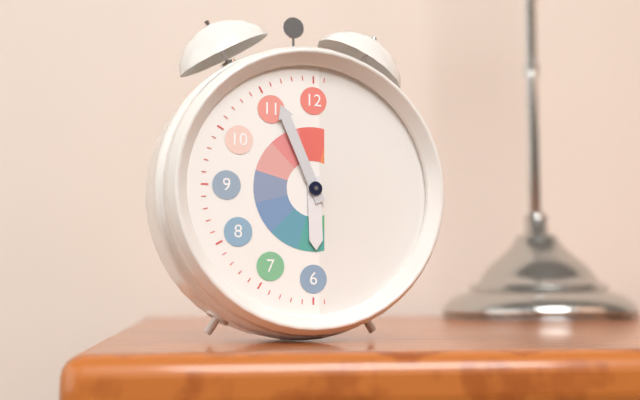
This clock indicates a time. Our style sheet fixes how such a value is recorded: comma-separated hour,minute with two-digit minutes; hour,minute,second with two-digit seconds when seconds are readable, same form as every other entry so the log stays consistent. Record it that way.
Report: 5,56
